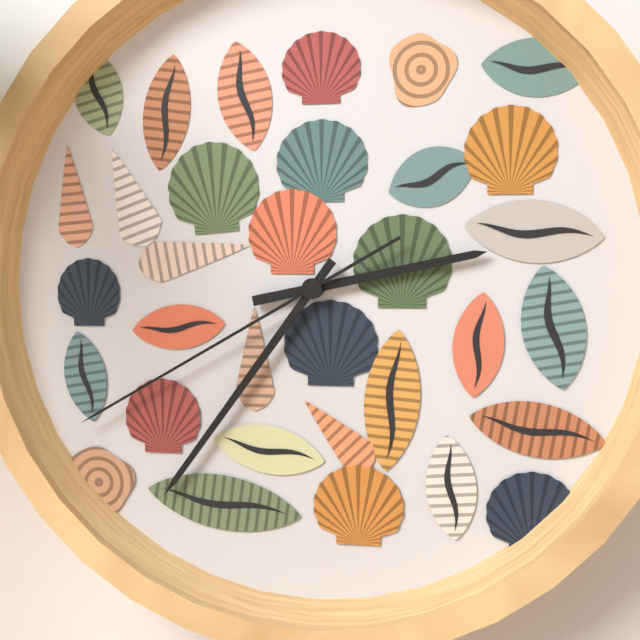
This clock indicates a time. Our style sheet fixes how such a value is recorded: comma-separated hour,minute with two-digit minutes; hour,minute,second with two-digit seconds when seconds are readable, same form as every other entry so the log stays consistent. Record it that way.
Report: 2,36,40
